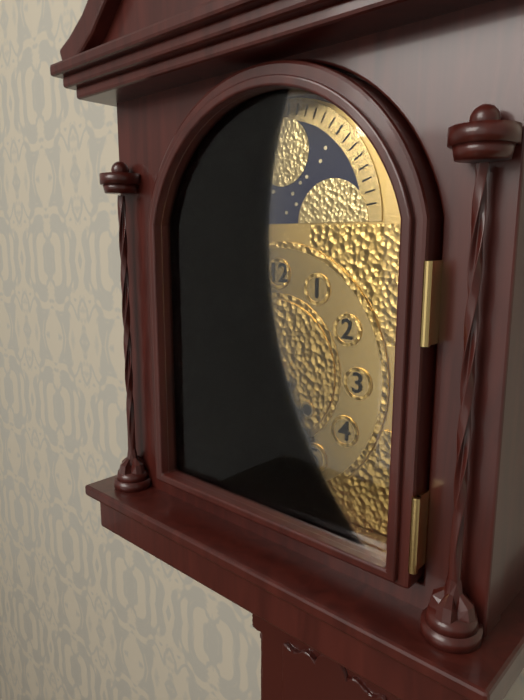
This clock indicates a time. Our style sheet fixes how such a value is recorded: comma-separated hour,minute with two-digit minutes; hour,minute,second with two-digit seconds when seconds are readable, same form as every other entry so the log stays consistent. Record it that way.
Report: 4,55
